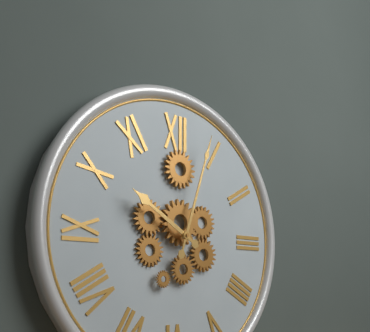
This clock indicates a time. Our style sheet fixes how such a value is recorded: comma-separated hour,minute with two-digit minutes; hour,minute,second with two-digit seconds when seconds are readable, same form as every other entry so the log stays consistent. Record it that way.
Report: 10,03
